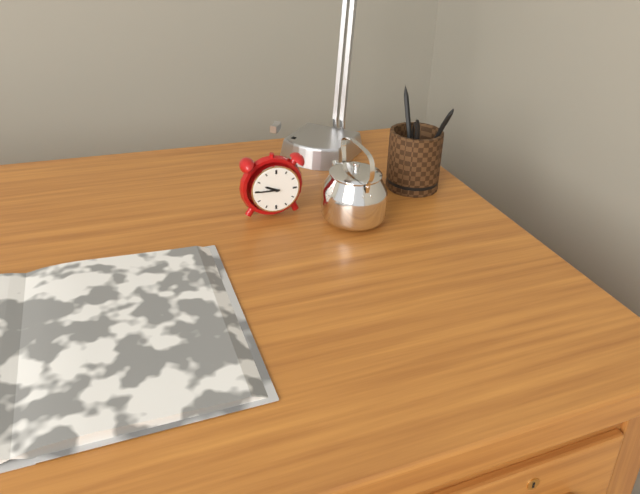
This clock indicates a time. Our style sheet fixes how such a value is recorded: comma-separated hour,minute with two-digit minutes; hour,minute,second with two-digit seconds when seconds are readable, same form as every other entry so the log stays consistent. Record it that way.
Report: 9,45
